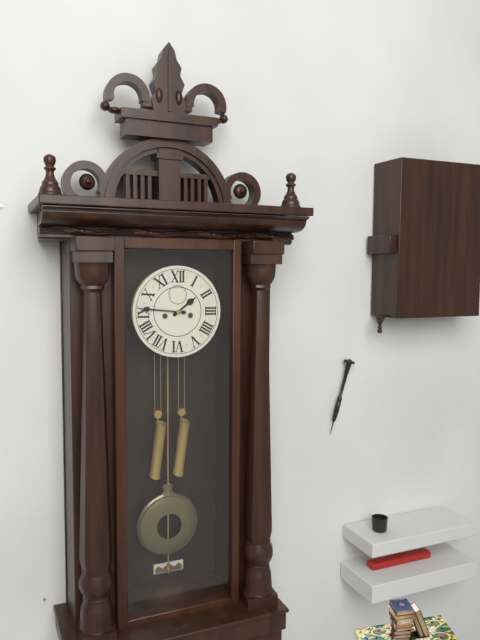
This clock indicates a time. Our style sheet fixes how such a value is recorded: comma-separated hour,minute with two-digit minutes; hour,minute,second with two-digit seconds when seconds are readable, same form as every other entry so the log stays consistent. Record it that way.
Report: 1,46
